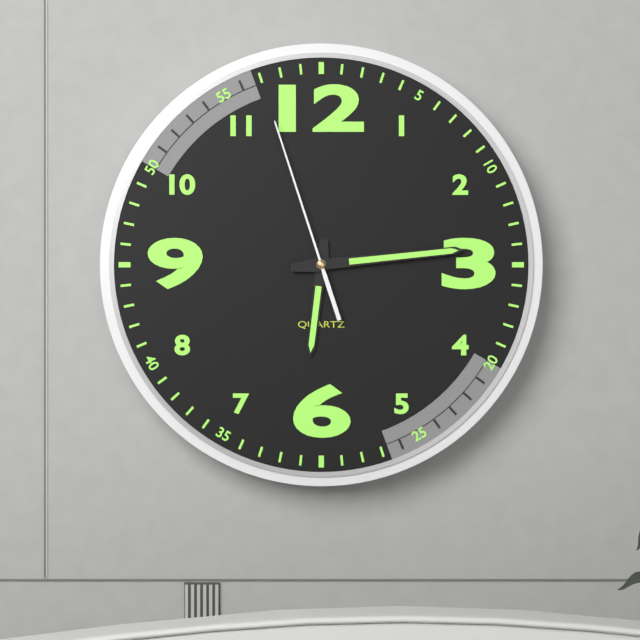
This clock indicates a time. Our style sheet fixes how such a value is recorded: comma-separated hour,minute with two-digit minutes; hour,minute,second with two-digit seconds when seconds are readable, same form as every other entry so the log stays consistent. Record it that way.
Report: 6,14,57
